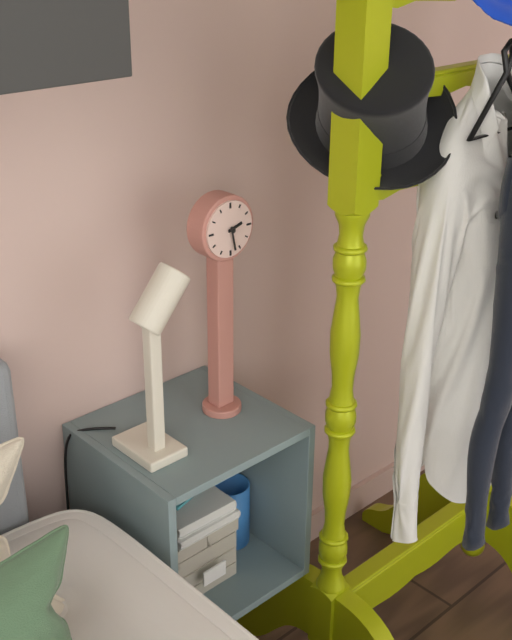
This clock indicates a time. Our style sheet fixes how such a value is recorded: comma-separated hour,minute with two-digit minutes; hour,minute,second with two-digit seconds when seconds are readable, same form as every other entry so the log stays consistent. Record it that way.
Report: 2,28
